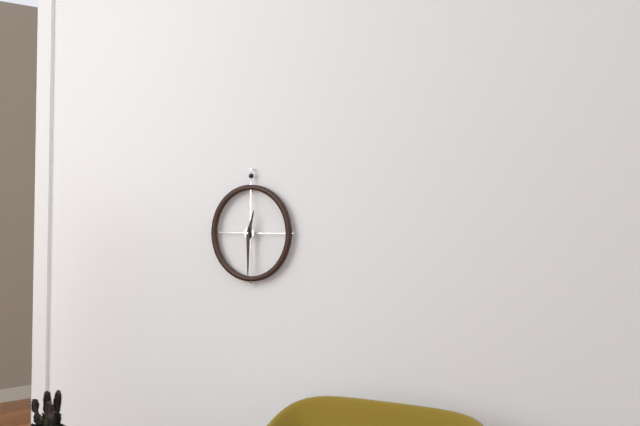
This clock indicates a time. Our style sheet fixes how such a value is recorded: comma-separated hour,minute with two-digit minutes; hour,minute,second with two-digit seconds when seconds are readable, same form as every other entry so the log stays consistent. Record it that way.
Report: 12,30
